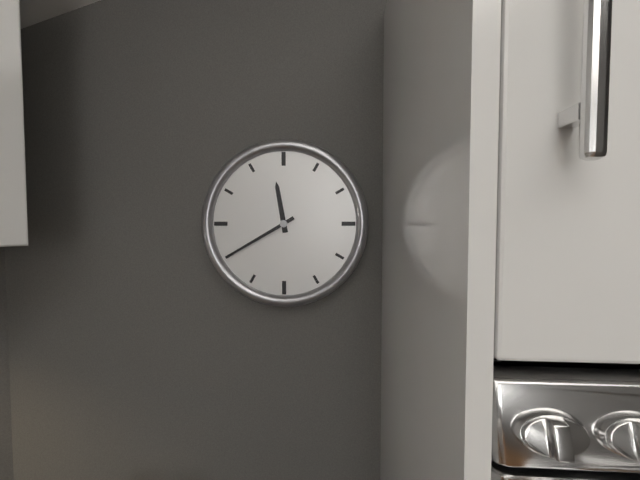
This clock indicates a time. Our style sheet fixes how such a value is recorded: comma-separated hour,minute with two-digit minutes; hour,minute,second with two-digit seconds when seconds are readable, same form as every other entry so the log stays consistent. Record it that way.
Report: 11,40
